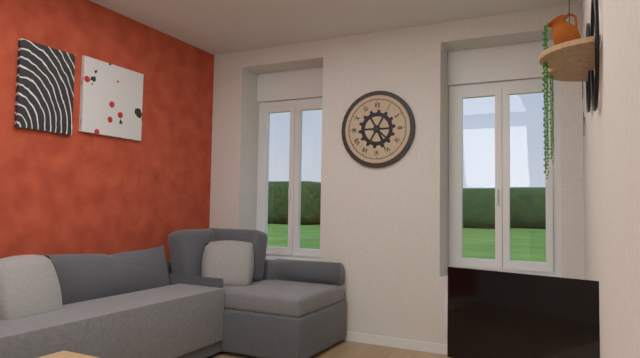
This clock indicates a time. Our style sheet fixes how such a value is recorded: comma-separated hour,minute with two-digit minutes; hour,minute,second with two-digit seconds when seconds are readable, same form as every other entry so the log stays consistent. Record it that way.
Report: 4,26
